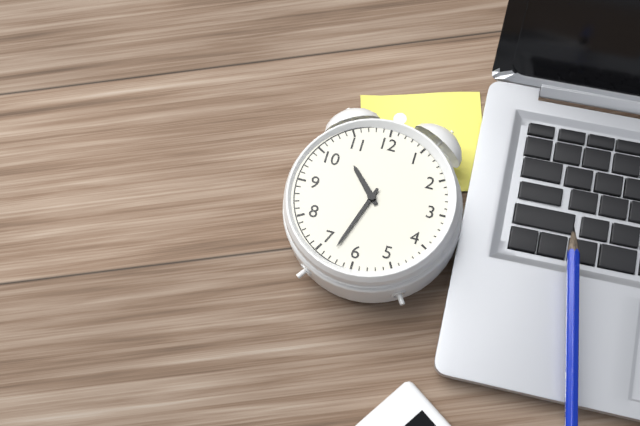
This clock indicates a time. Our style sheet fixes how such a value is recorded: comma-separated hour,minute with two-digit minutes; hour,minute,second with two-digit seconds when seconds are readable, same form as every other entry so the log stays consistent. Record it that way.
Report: 10,33
